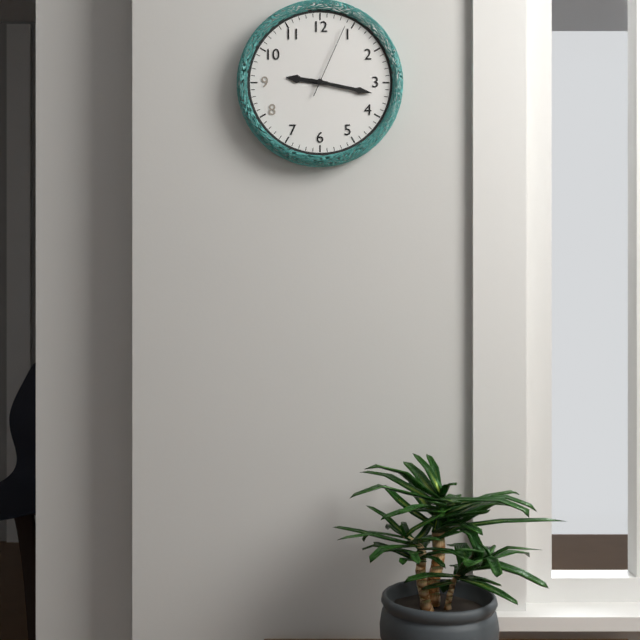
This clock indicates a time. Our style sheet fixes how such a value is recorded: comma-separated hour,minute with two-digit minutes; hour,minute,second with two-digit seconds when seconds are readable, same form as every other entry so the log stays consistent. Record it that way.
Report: 9,17,04
